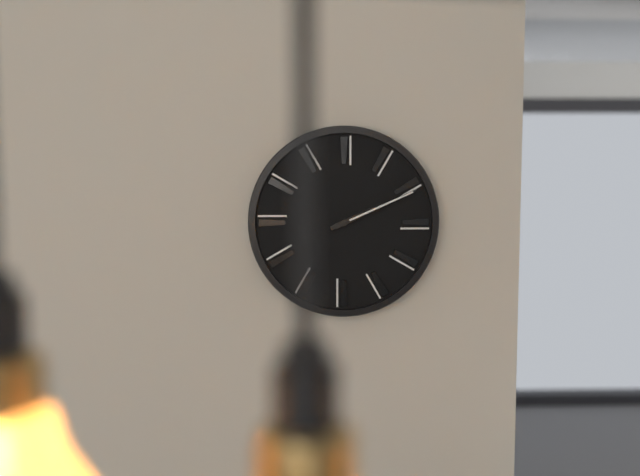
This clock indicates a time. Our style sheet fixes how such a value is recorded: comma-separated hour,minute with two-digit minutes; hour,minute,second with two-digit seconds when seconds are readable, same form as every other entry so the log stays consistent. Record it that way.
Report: 2,11
